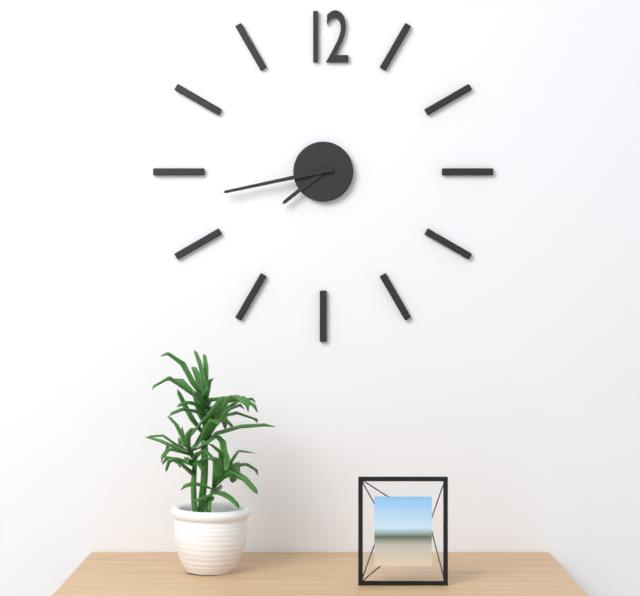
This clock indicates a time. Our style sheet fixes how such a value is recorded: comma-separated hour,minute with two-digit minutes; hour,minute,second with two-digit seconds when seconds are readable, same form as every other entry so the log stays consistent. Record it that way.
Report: 7,43
